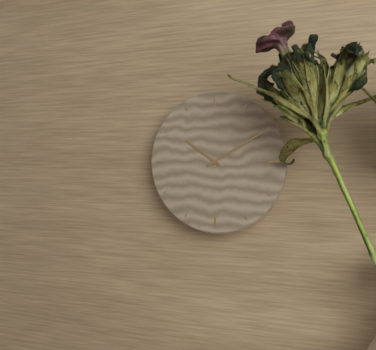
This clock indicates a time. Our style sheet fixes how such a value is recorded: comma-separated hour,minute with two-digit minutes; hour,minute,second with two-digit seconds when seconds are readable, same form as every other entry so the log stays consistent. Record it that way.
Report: 10,10
